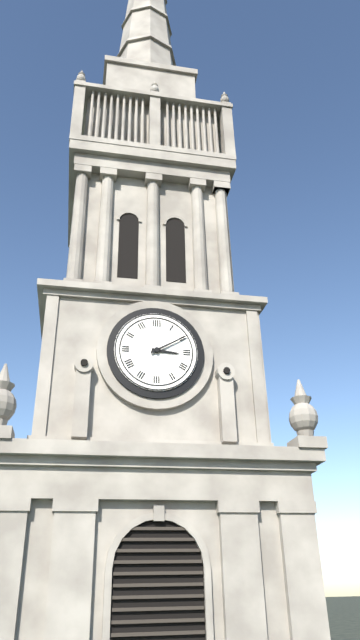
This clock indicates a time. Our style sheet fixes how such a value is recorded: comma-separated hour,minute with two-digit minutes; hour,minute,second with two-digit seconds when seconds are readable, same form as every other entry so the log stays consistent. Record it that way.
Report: 3,10
